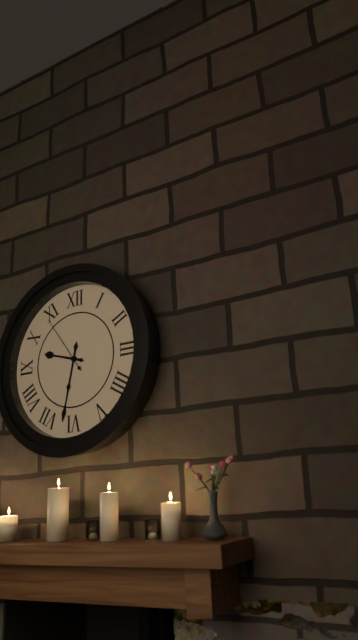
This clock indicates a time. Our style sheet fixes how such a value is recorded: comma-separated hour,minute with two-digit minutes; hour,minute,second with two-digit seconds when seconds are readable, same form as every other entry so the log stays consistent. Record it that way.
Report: 9,32,54
